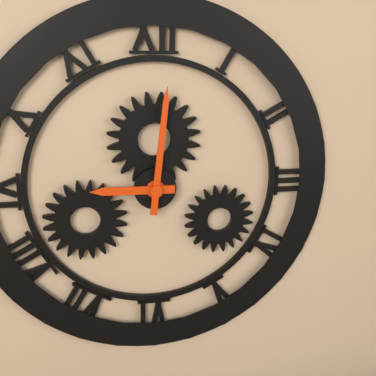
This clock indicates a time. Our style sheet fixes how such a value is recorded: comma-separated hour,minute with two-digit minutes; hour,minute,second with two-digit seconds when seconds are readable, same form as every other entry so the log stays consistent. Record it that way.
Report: 9,01
